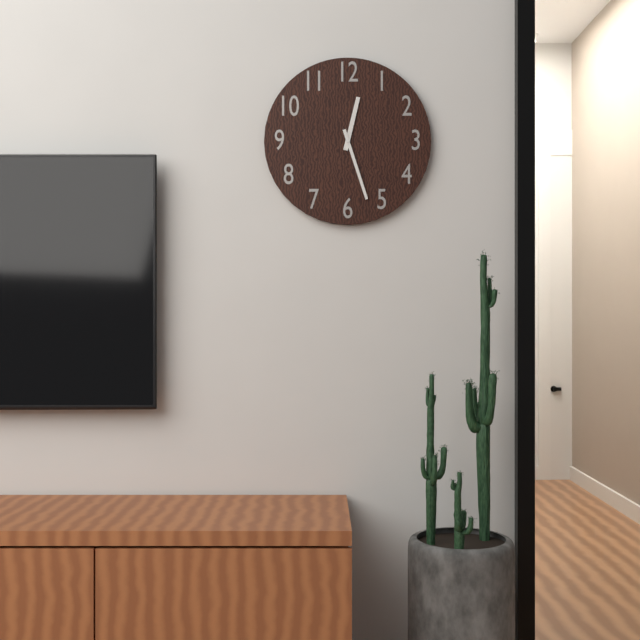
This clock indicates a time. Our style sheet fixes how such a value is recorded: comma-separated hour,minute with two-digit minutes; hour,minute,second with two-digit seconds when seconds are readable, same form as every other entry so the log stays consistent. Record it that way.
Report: 12,27
